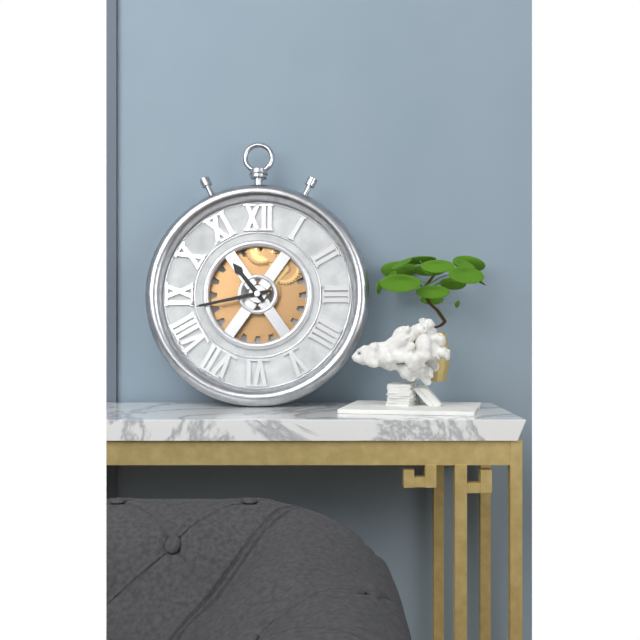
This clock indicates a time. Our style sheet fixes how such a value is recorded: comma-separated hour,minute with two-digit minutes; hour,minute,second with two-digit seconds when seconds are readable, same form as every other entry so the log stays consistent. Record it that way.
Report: 10,43
